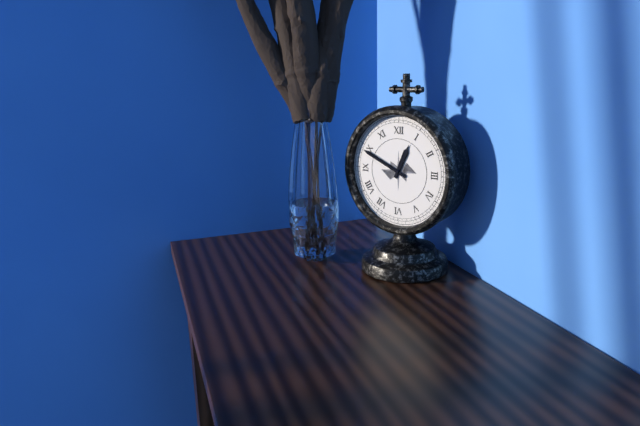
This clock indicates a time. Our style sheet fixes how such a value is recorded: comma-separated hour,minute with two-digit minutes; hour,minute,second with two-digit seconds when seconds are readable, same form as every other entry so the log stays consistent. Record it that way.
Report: 12,49
